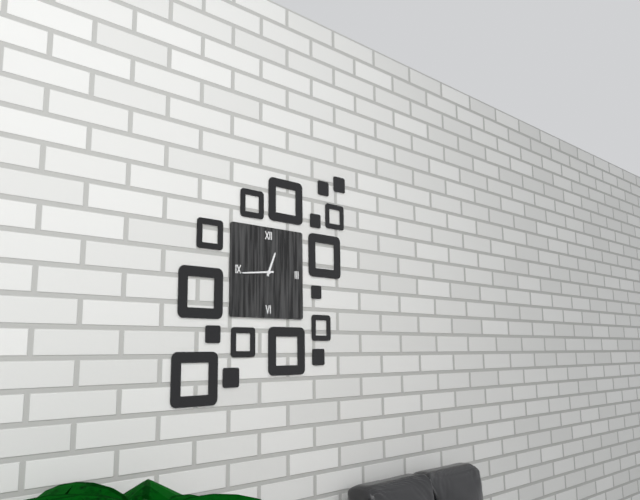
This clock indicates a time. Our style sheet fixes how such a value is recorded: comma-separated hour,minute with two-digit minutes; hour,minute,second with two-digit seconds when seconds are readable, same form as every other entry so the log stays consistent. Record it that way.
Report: 12,44
